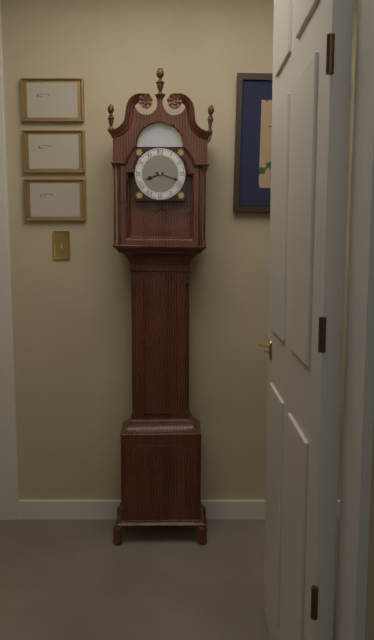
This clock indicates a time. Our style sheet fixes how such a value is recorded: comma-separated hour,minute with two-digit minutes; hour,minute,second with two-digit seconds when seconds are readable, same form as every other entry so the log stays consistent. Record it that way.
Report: 8,18
